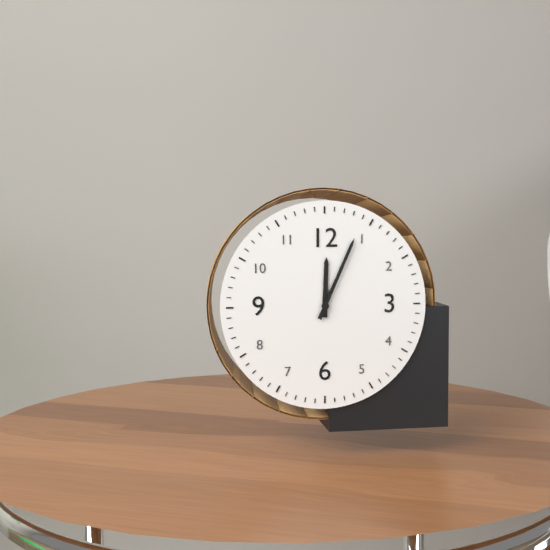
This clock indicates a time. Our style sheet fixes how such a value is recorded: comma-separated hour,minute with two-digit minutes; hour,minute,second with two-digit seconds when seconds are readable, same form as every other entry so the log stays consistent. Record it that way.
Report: 12,04
